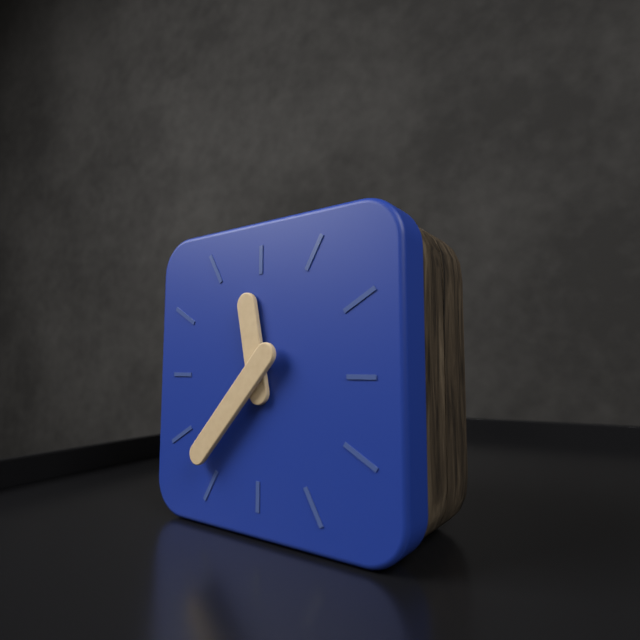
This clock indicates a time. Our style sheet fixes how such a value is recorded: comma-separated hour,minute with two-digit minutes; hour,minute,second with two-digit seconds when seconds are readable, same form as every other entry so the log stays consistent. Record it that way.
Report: 11,37
